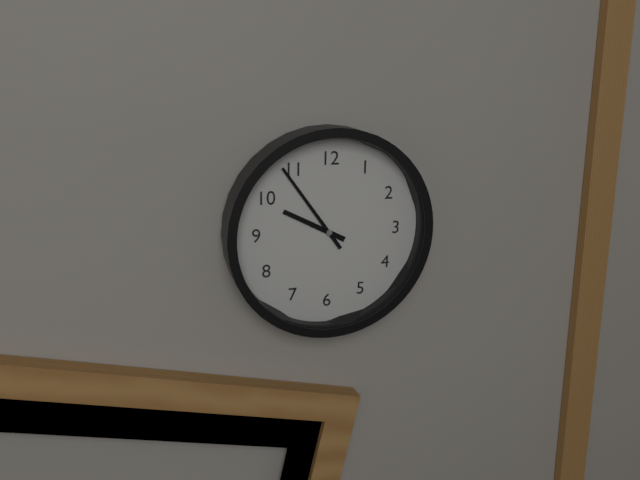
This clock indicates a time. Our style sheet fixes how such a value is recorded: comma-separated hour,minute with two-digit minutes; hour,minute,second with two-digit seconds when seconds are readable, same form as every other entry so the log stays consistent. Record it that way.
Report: 9,54
